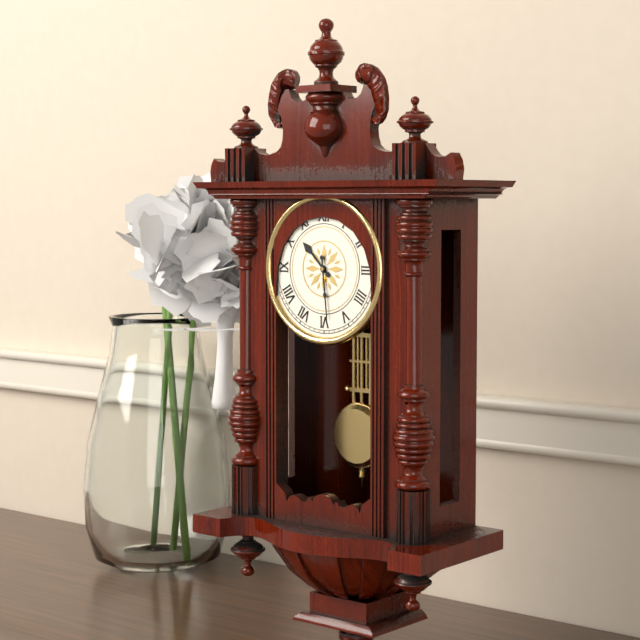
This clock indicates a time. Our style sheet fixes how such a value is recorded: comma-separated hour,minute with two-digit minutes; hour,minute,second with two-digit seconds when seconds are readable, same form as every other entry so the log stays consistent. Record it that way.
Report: 10,29
